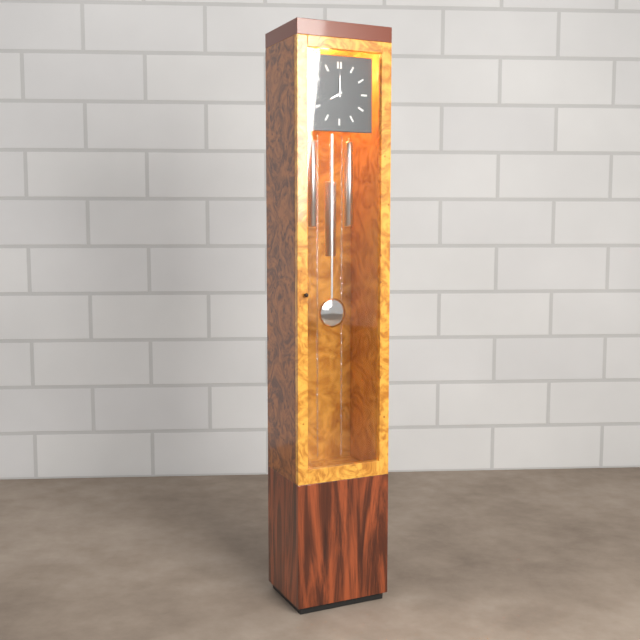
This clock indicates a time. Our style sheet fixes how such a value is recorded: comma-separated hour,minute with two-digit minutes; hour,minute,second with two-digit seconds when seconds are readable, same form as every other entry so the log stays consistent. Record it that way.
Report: 8,00
